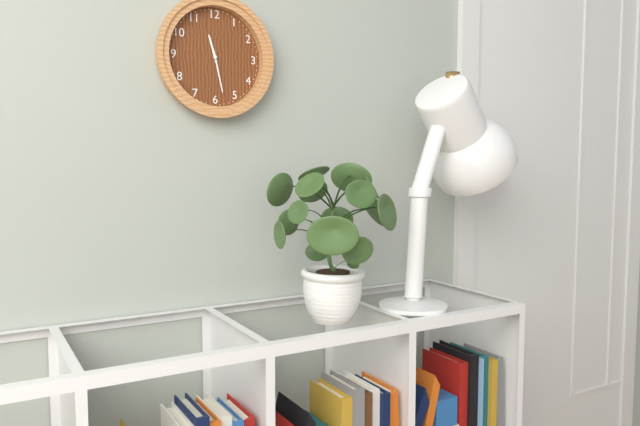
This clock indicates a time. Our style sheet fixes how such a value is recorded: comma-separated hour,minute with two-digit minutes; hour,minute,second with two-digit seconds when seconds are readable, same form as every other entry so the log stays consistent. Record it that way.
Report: 11,28
